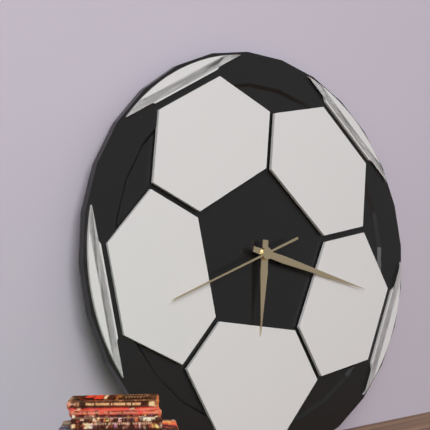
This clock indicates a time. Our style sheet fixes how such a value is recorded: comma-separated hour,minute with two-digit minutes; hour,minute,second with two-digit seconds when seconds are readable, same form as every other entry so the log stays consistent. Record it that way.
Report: 6,18,42
